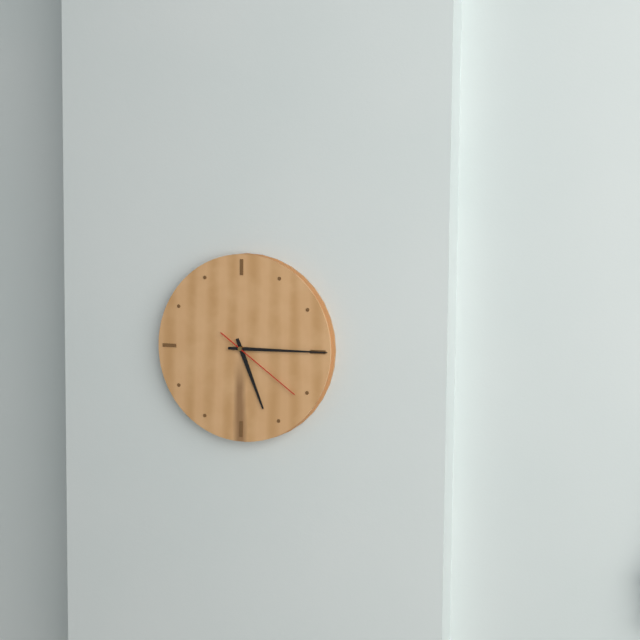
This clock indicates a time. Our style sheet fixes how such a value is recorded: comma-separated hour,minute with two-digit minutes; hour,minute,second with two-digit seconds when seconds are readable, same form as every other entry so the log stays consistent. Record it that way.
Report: 5,15,21
